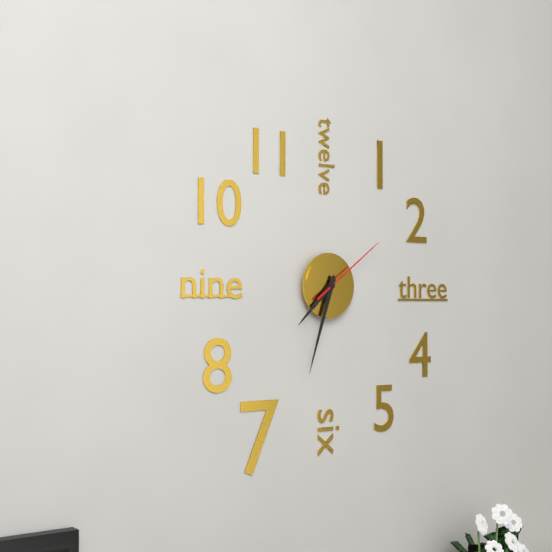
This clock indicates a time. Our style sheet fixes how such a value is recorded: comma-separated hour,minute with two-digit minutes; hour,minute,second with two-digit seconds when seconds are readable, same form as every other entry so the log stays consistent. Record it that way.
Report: 7,33,09
